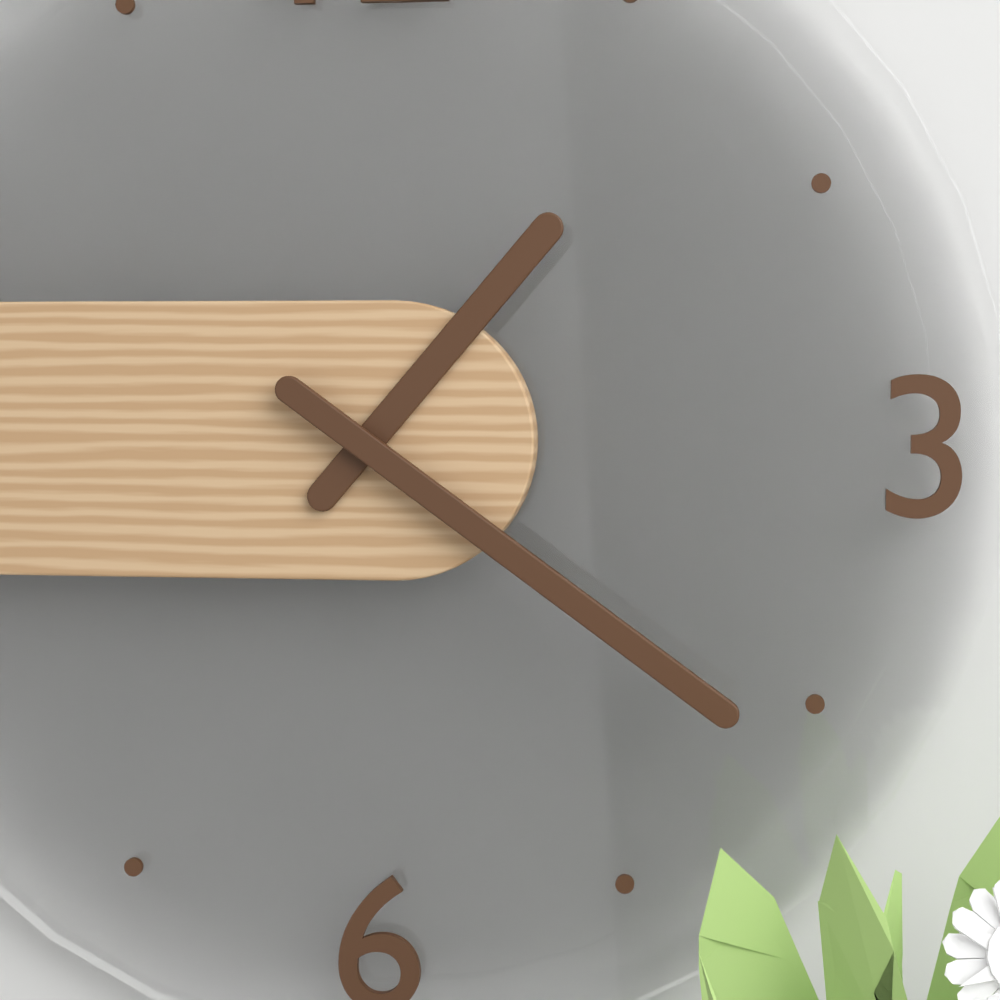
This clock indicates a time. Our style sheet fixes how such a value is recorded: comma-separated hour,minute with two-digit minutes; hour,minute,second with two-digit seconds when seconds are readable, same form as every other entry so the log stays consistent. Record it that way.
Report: 1,21
